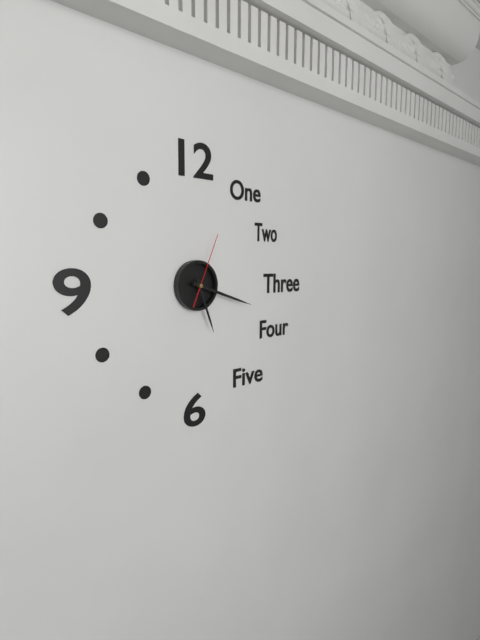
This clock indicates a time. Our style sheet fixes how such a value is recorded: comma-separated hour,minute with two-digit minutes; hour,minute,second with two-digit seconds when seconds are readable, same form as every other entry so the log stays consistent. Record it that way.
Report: 5,18,04
